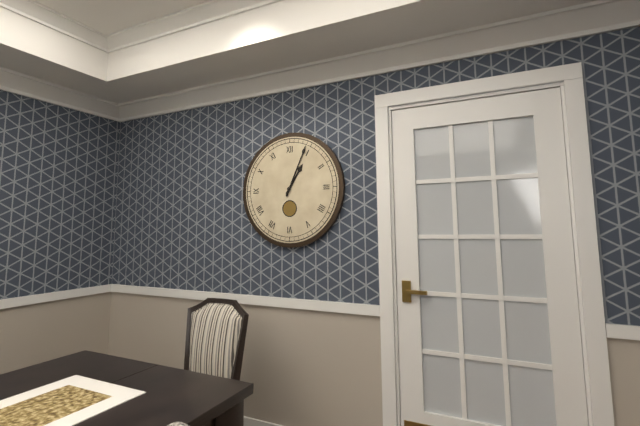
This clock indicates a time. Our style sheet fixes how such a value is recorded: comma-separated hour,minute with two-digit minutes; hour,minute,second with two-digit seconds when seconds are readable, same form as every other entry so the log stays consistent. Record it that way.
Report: 1,04
